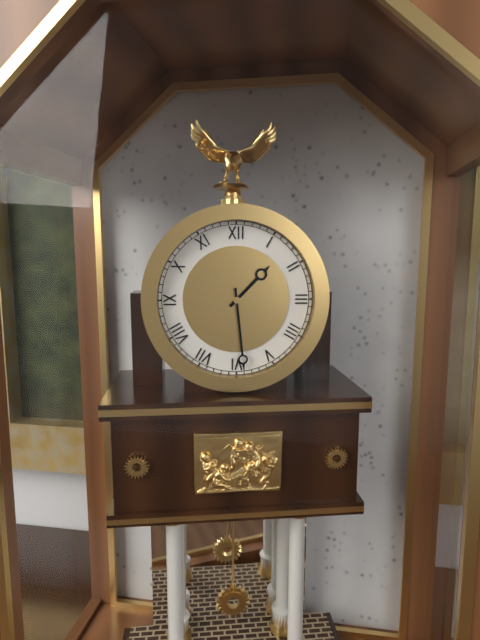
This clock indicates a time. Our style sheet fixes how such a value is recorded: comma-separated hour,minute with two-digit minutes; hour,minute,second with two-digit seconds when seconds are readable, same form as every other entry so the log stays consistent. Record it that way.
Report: 1,29
